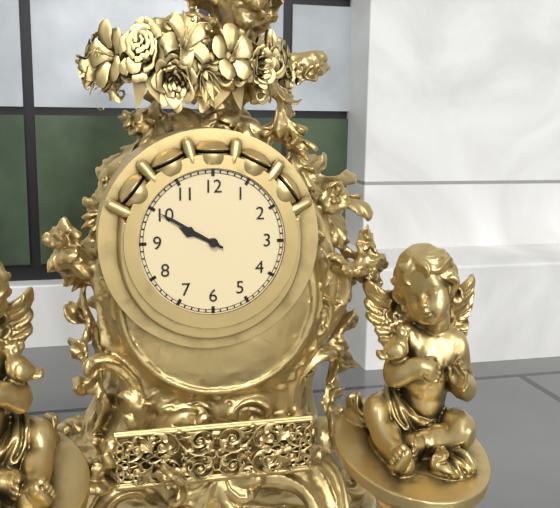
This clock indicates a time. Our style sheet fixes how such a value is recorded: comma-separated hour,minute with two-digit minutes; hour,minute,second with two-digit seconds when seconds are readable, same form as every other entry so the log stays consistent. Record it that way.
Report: 9,50
